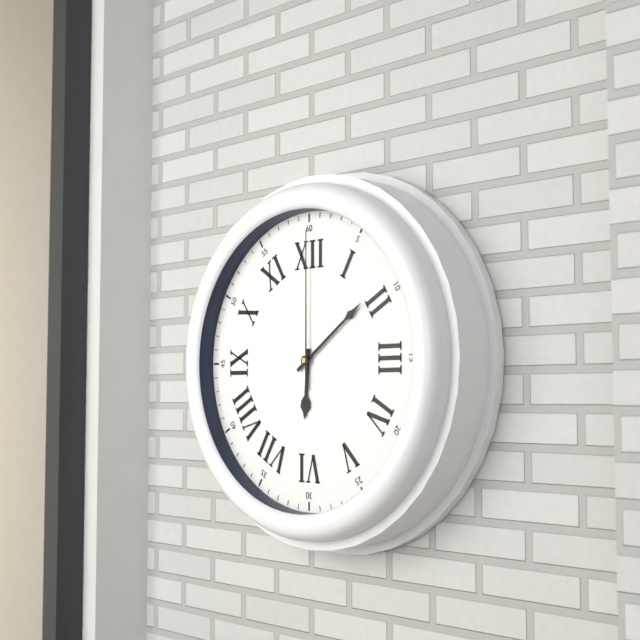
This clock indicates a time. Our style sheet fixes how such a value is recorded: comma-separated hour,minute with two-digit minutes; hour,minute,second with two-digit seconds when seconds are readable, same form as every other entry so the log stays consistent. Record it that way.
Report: 6,09,00
